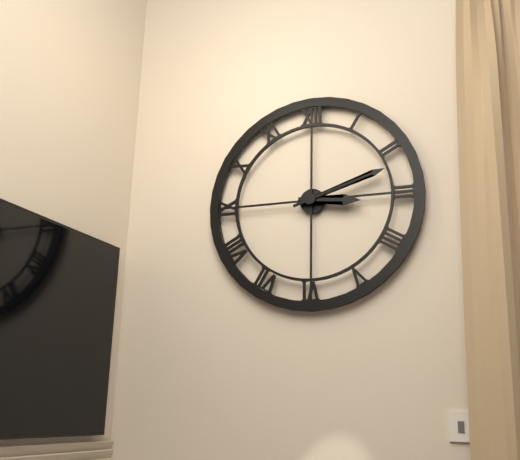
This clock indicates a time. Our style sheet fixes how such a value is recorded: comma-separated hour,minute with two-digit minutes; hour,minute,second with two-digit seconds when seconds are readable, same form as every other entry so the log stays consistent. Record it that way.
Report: 3,12
